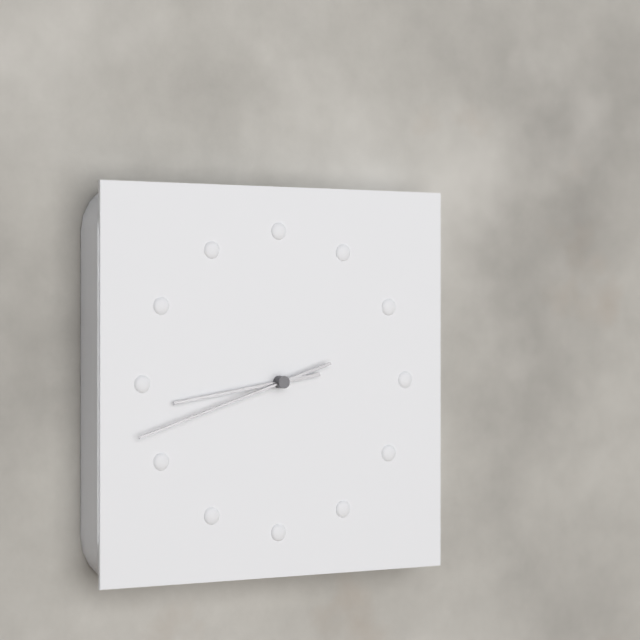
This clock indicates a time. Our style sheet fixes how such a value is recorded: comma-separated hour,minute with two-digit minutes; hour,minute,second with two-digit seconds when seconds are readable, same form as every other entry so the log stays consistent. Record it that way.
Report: 8,42
